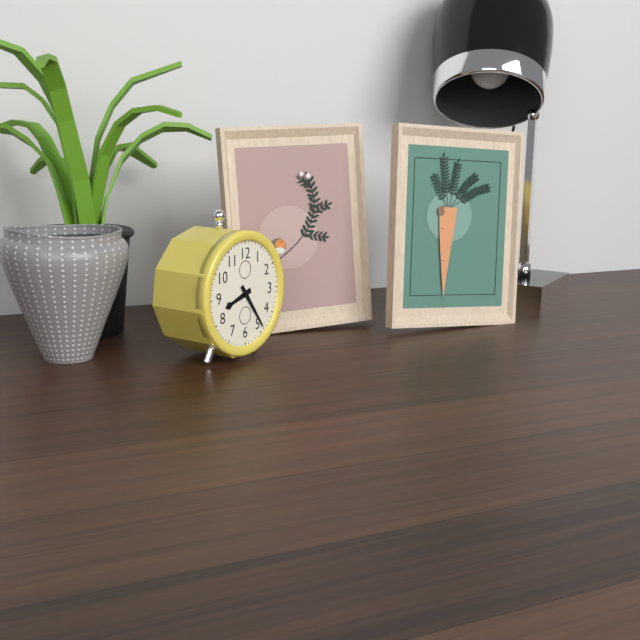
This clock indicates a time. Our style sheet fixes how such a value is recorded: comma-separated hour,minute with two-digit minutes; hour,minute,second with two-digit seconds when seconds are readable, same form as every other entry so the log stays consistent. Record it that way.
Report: 8,24
